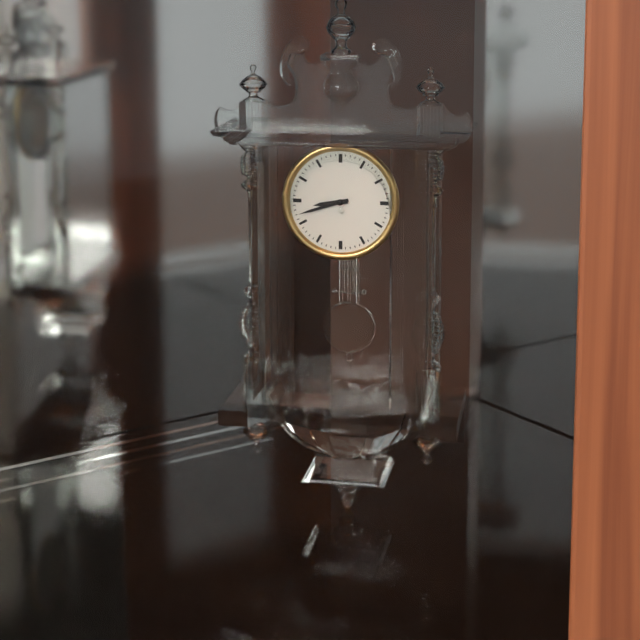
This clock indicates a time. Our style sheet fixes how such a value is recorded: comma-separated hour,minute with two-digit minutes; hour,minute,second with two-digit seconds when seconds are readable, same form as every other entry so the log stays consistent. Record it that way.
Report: 8,42
